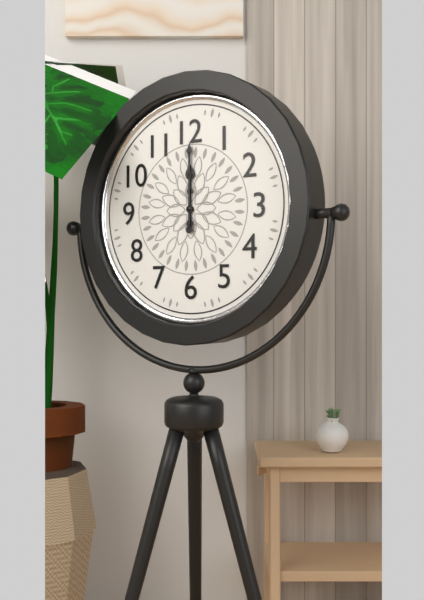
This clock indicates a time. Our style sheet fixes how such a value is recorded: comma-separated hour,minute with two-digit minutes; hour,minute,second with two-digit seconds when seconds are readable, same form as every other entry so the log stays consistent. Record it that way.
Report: 12,00
